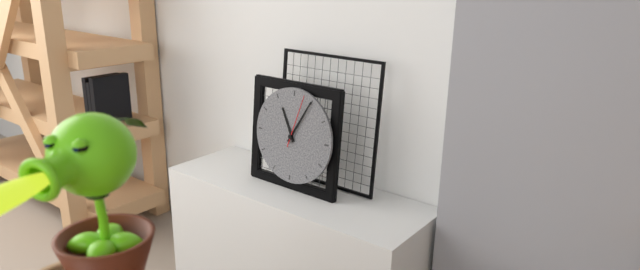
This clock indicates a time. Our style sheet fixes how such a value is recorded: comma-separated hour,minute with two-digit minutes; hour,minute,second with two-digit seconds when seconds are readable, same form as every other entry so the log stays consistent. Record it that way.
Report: 11,05,03
